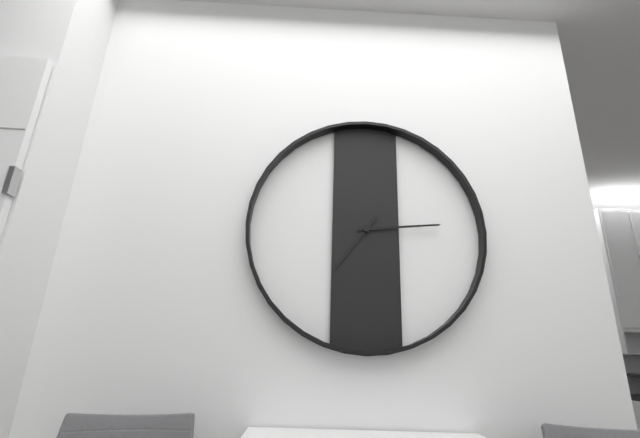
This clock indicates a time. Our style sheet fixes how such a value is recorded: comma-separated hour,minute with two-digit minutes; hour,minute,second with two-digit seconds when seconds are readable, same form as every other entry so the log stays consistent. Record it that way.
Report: 7,14
